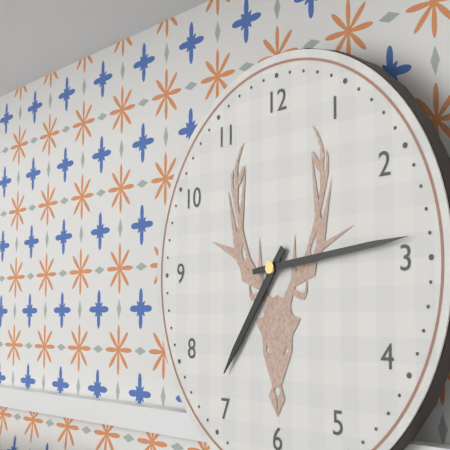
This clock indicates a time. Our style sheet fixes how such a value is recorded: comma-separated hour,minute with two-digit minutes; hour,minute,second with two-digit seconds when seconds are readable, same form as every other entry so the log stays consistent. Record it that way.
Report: 7,14
